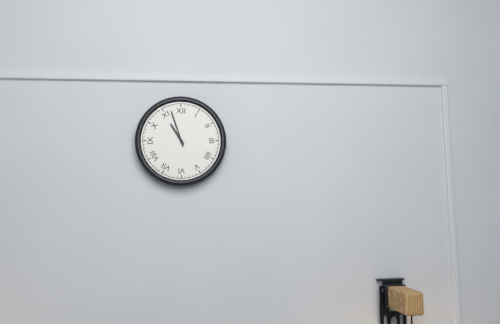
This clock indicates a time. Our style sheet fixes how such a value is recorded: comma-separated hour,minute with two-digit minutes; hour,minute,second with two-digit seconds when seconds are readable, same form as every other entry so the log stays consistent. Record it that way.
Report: 10,57
